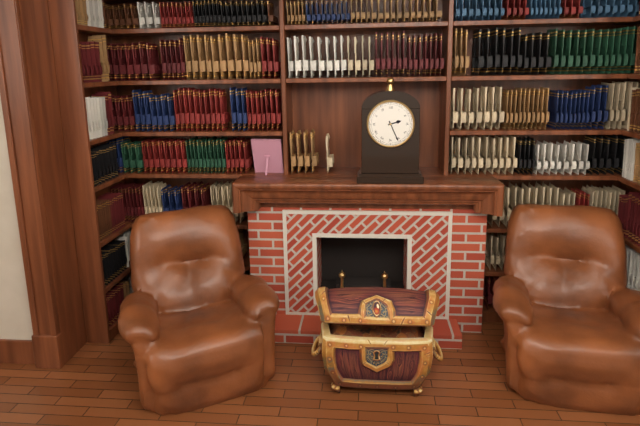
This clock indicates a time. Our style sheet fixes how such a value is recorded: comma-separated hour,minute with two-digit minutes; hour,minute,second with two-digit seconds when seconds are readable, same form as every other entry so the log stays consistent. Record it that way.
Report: 2,26
